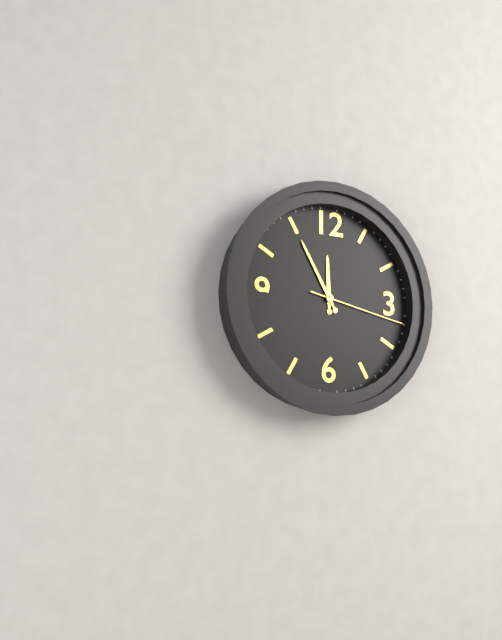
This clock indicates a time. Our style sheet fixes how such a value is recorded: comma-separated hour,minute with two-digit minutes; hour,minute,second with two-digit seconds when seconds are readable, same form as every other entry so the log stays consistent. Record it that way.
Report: 11,55,17
